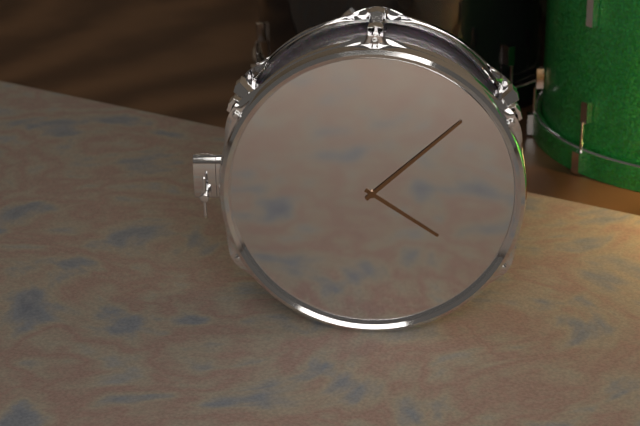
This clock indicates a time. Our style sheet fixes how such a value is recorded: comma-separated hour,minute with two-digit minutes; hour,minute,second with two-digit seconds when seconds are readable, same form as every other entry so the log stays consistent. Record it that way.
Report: 4,08
